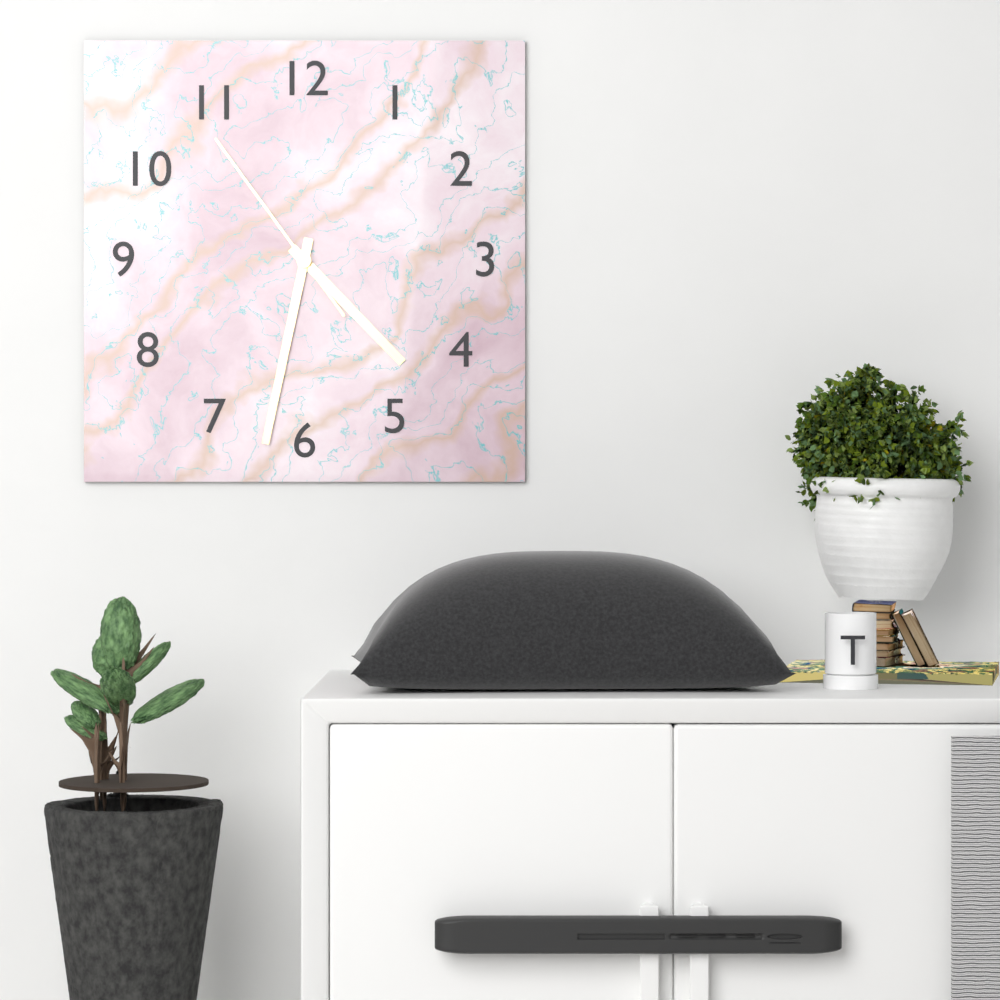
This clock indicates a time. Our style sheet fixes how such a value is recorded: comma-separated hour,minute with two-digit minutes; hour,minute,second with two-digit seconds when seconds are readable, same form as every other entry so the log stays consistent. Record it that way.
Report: 4,32,54
